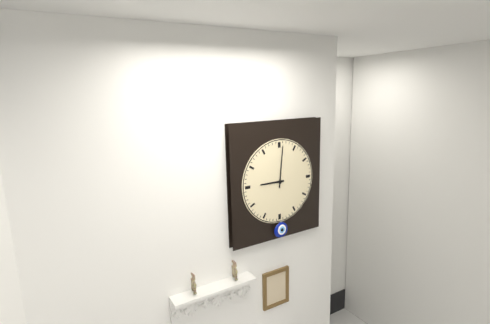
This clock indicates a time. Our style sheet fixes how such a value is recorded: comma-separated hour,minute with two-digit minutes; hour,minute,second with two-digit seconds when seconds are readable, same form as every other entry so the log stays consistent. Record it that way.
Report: 9,01
